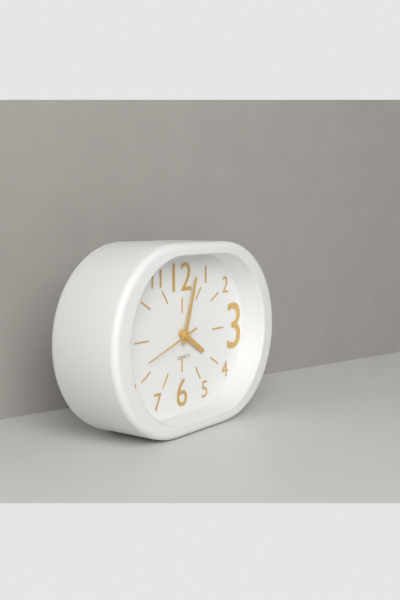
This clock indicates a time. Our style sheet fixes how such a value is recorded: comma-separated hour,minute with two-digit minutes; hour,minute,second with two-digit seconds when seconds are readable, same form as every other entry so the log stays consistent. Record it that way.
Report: 4,03,42
